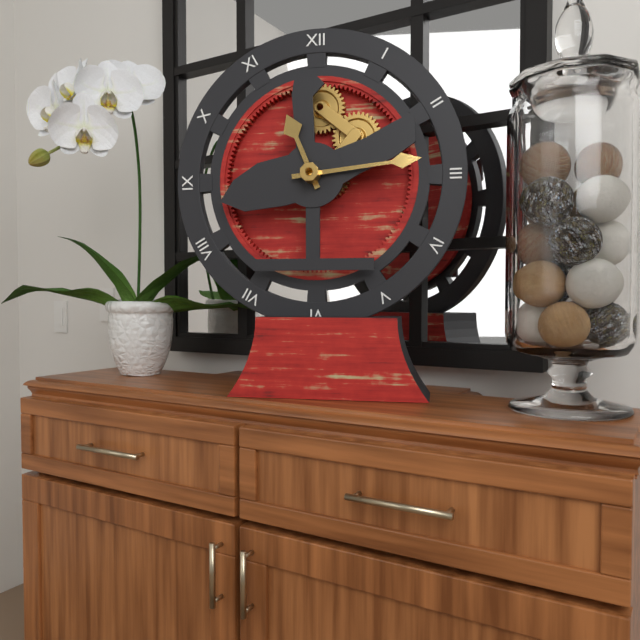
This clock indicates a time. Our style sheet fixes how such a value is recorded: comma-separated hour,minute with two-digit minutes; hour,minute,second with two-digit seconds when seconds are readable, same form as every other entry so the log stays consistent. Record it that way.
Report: 11,14
